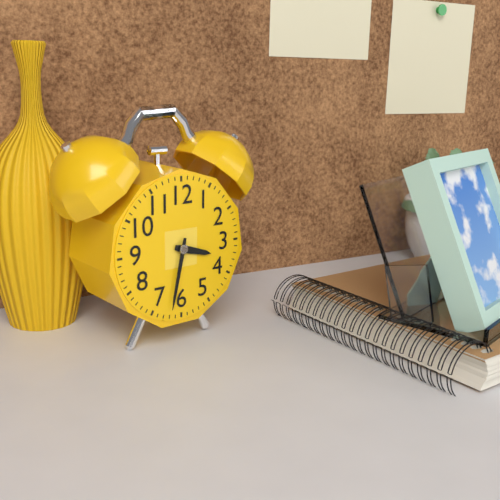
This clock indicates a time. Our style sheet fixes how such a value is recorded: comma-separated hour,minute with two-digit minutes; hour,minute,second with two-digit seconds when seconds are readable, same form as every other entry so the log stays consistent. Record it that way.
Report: 3,32
